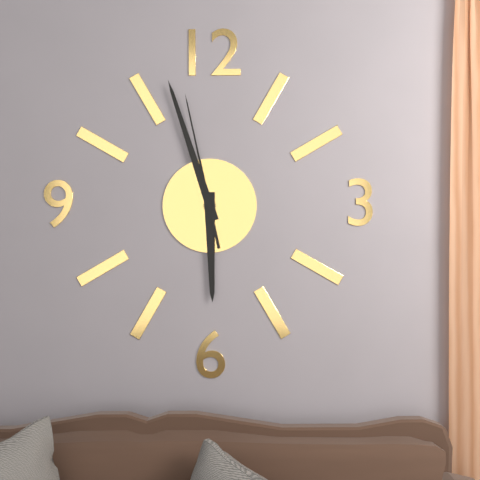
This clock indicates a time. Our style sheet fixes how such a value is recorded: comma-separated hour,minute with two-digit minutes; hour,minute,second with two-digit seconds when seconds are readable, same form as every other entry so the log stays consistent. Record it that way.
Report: 5,57,58
